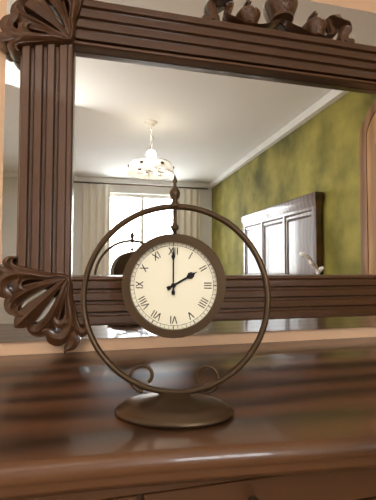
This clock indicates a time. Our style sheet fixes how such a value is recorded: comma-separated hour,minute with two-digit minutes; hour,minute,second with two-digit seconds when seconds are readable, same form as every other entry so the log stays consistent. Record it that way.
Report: 2,00
